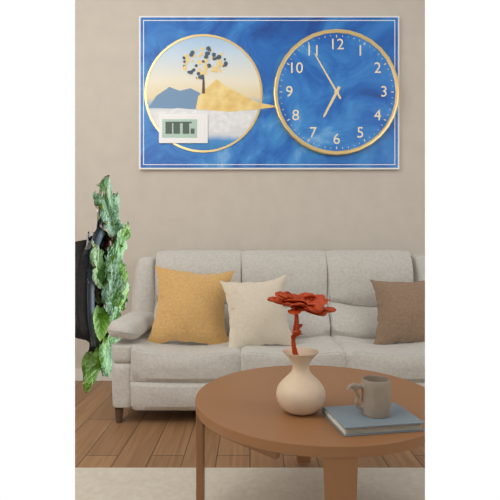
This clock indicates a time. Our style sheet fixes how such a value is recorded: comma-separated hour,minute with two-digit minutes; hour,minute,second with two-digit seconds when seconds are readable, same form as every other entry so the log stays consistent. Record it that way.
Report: 6,55
